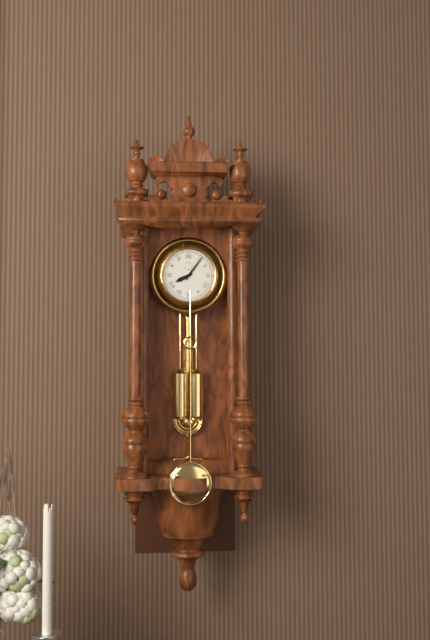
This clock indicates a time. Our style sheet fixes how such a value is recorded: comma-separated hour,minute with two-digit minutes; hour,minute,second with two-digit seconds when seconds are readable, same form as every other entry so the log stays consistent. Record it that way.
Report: 8,06
